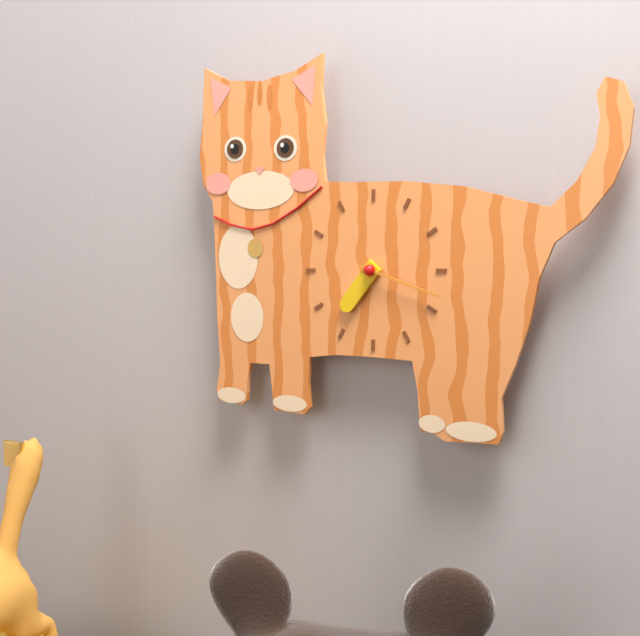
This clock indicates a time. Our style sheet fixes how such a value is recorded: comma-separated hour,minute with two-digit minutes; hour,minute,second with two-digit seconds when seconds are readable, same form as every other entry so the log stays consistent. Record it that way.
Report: 7,18
